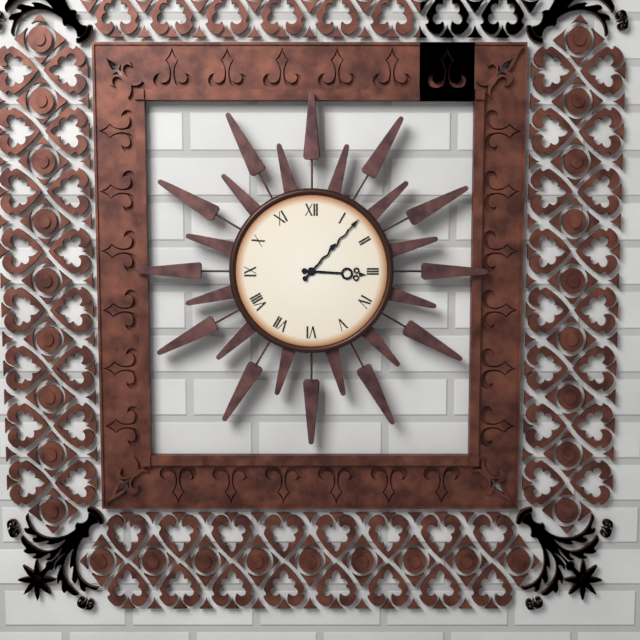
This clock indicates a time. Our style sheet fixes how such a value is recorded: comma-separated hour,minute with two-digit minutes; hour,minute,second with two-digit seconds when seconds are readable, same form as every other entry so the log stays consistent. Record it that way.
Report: 3,07
